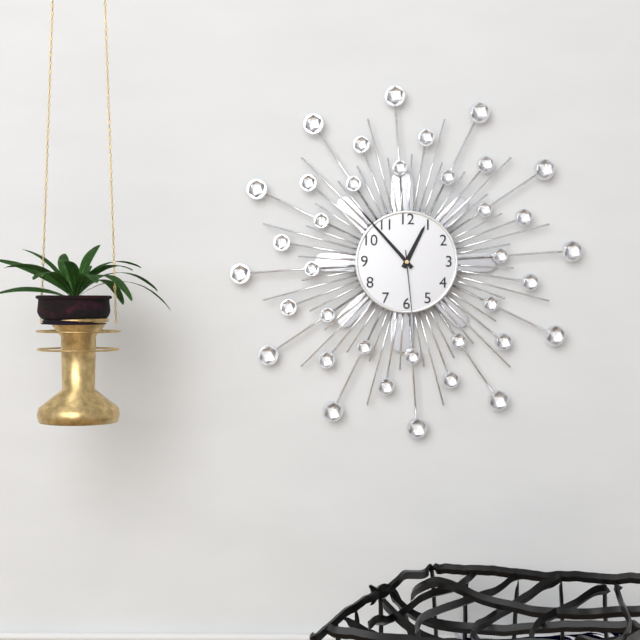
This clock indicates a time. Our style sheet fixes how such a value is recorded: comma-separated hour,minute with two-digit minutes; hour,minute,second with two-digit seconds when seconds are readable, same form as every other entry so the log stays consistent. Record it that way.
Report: 12,53,29
